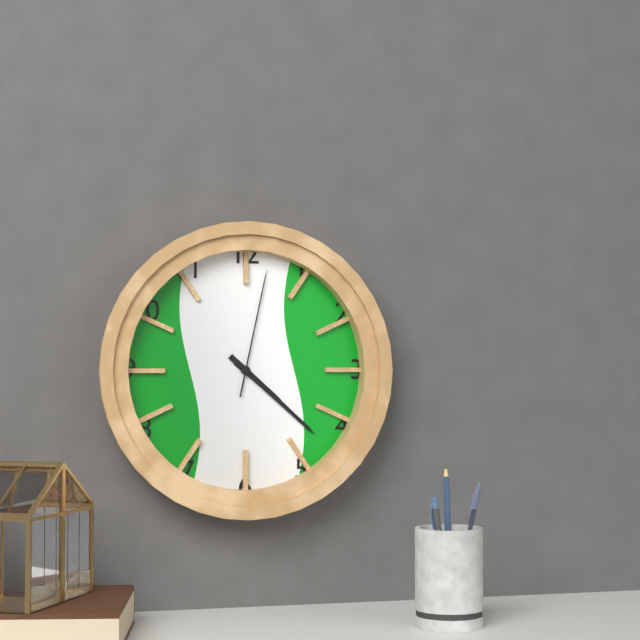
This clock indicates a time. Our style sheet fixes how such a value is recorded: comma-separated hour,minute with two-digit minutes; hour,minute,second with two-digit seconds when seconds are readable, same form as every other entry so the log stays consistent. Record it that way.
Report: 4,22,02
